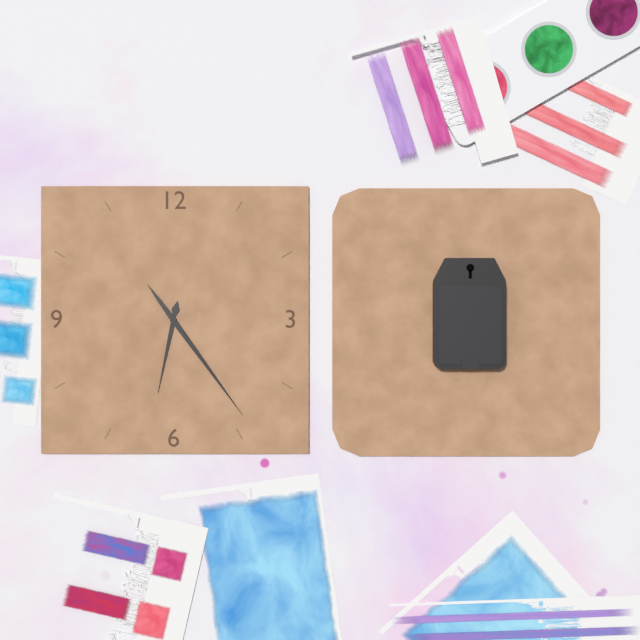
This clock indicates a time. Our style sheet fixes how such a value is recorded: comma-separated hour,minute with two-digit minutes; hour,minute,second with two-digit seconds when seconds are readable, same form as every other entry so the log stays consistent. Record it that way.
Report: 6,24
